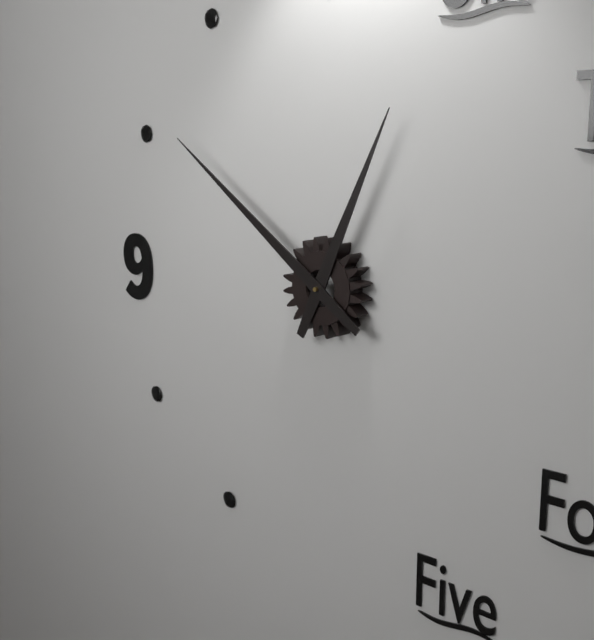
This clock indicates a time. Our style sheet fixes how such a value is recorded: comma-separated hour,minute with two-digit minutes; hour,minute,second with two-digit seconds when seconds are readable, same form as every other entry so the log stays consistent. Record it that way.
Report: 12,51
